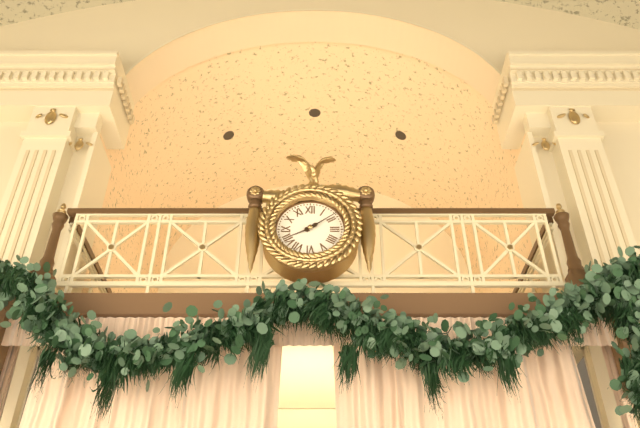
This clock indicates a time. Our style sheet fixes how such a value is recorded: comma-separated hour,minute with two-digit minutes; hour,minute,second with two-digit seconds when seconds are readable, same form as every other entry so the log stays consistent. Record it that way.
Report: 8,09
